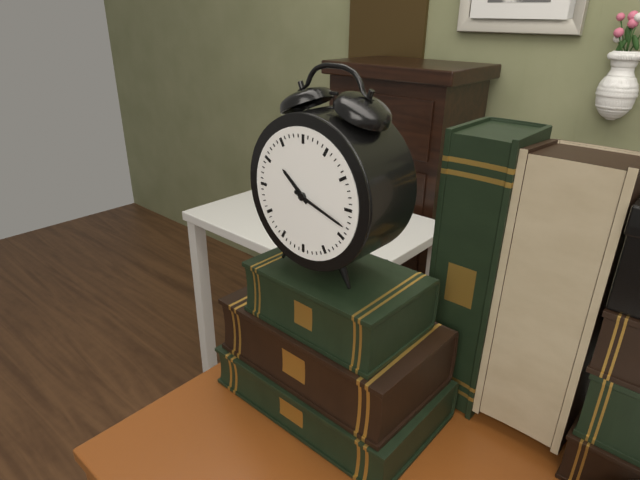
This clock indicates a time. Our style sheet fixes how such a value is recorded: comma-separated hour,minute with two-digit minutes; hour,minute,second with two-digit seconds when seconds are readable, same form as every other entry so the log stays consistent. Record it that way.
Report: 10,18
